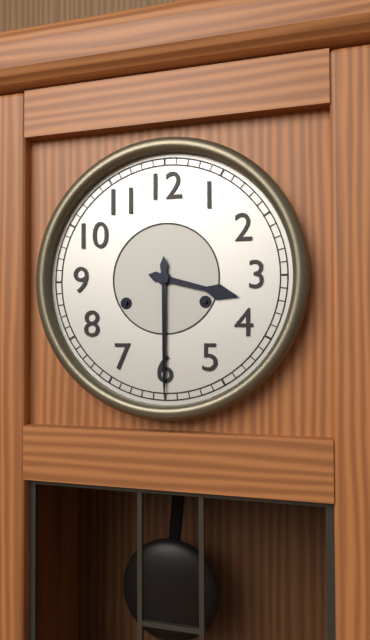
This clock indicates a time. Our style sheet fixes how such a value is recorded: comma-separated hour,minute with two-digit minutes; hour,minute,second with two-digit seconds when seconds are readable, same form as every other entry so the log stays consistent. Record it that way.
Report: 3,30
